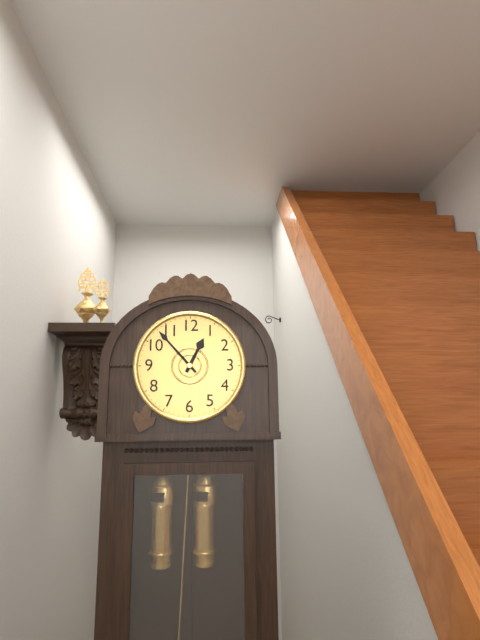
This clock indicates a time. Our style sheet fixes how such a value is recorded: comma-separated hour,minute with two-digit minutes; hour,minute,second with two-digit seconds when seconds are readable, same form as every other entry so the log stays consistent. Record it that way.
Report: 12,53
